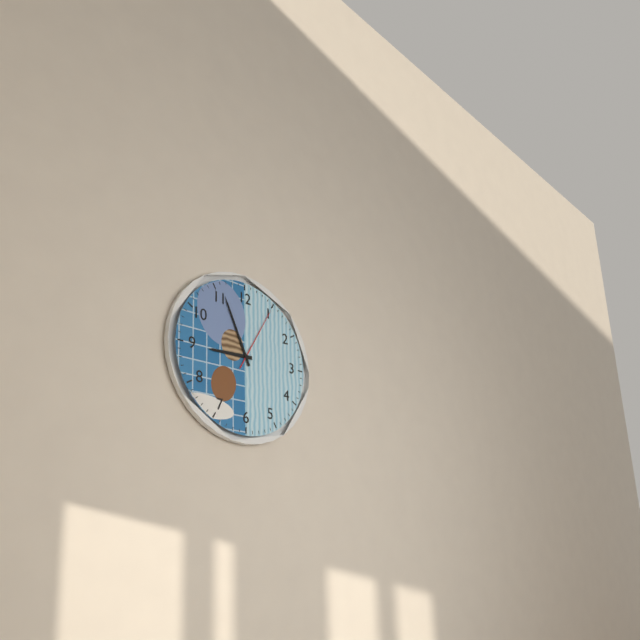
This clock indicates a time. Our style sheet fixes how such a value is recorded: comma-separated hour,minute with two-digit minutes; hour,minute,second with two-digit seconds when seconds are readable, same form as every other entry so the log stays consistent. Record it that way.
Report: 8,56,05
